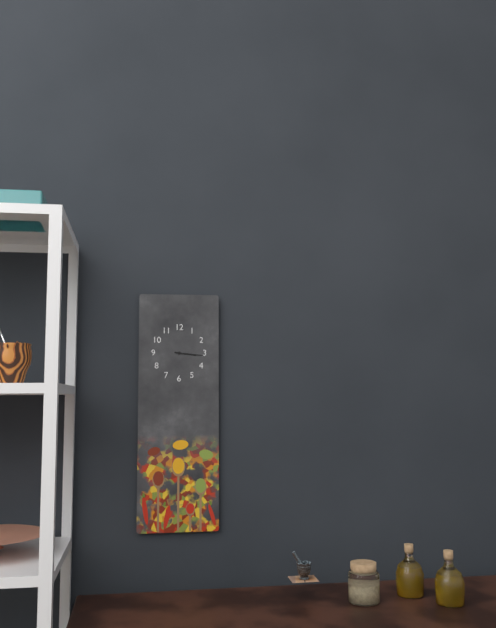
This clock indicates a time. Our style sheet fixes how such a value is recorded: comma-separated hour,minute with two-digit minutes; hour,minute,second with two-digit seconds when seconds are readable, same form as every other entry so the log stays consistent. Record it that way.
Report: 3,16
